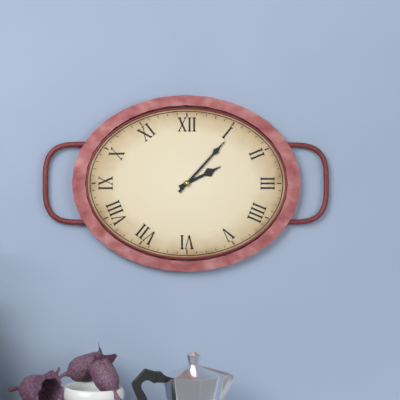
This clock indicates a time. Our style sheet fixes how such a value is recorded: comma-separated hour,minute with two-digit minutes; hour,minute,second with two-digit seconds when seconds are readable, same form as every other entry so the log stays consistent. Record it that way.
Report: 2,07
